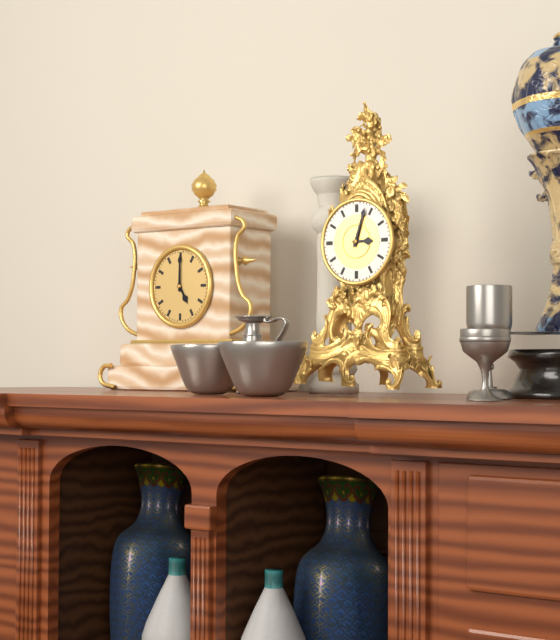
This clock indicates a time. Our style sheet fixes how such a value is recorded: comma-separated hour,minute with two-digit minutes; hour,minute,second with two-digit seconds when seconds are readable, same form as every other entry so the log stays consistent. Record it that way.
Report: 3,03
